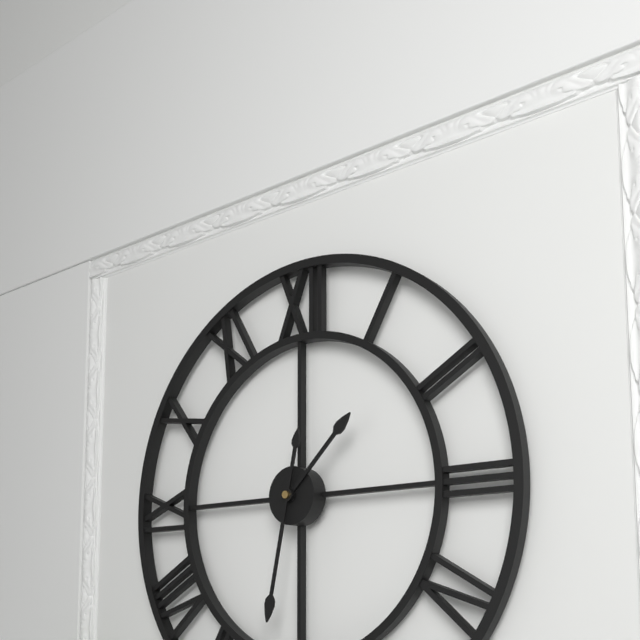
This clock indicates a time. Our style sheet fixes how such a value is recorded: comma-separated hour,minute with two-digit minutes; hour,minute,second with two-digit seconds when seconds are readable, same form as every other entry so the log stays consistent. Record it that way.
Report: 1,32
